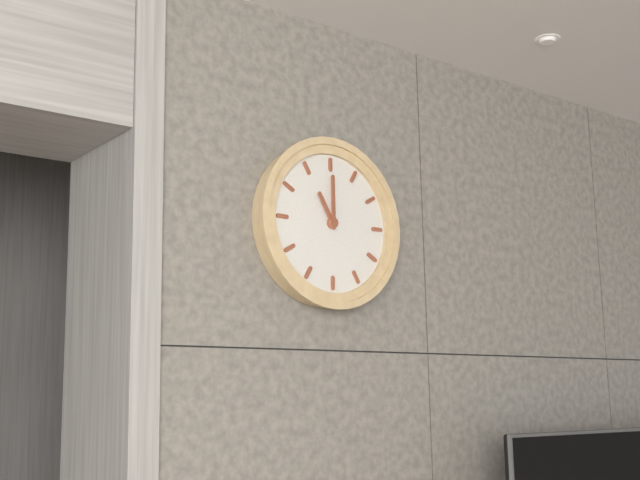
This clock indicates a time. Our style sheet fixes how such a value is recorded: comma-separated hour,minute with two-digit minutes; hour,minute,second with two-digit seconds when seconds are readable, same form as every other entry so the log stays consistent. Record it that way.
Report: 11,00
